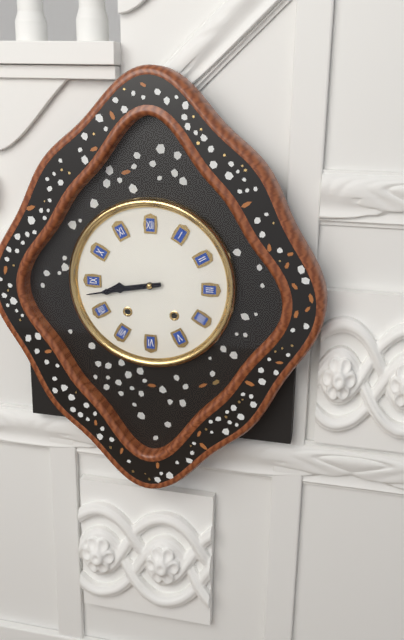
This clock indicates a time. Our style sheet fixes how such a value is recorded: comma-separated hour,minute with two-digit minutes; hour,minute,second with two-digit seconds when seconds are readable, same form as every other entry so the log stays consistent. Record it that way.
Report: 8,43
